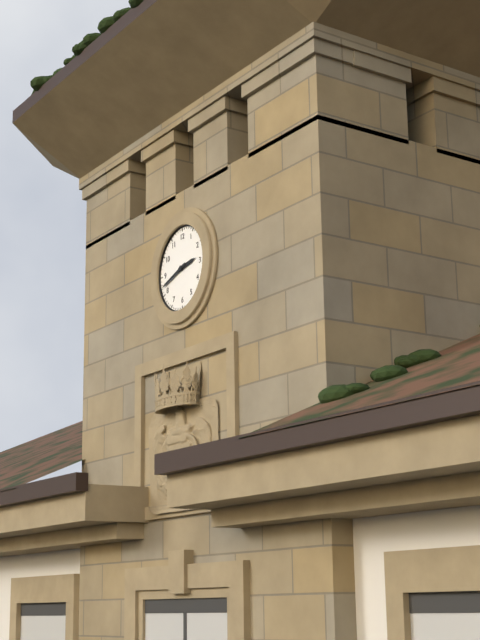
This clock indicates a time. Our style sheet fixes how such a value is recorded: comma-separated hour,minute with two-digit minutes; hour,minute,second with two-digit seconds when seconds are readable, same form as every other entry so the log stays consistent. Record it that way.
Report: 2,42
